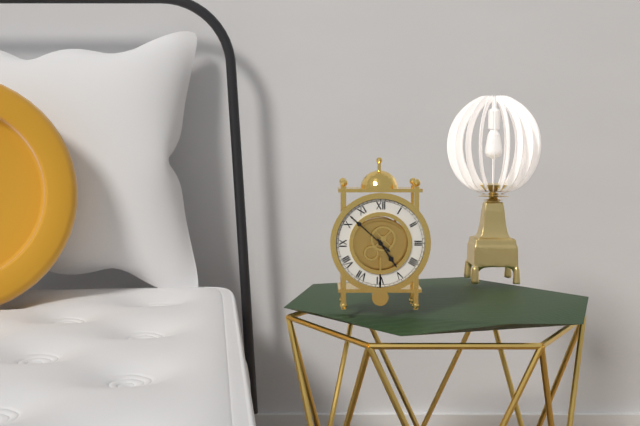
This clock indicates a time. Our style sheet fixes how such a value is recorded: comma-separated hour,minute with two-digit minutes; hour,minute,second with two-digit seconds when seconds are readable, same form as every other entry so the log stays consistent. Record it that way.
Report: 4,52
